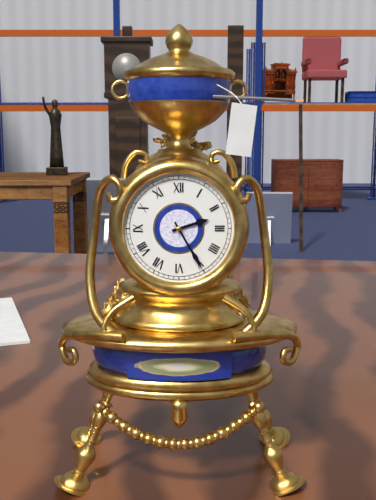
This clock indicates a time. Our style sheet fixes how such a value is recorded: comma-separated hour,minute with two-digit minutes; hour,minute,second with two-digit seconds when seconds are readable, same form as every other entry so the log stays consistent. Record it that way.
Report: 2,25
